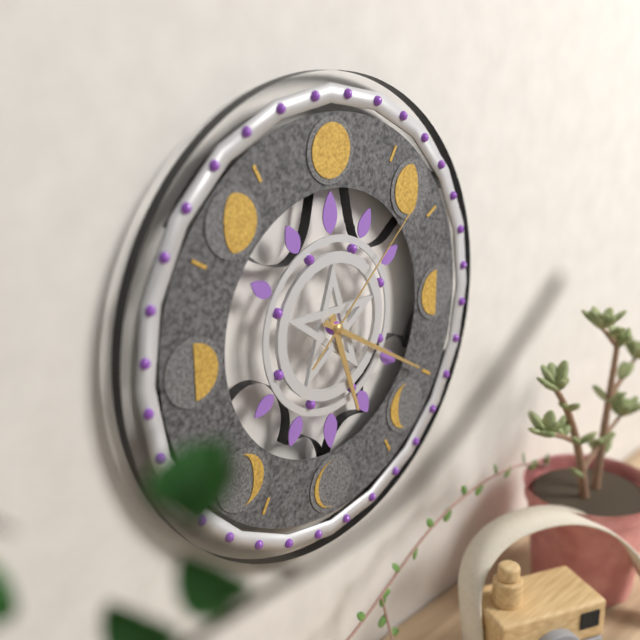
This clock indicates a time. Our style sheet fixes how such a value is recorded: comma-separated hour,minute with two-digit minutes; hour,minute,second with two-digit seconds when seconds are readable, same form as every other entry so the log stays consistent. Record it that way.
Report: 5,20,08
